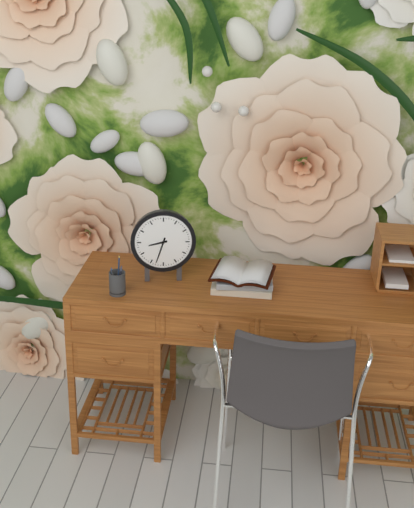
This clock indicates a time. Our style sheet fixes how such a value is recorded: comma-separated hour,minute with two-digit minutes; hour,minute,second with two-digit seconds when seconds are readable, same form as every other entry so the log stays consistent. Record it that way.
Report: 8,33
